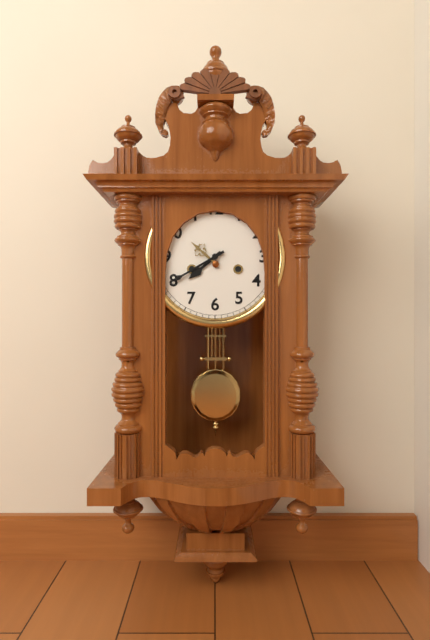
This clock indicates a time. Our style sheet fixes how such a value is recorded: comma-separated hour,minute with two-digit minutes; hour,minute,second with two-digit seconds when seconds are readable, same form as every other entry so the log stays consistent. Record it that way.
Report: 7,40
